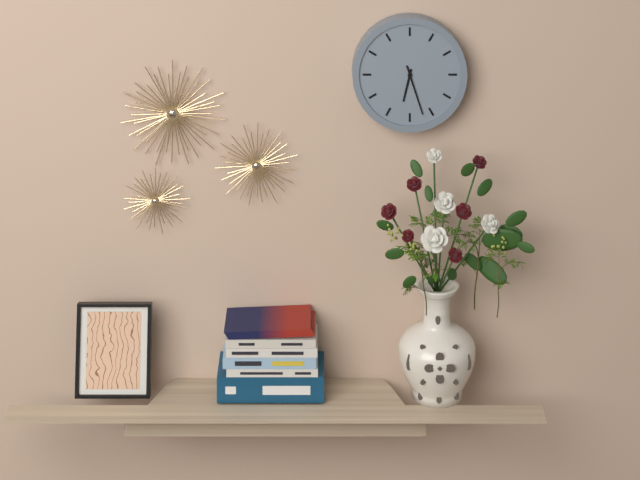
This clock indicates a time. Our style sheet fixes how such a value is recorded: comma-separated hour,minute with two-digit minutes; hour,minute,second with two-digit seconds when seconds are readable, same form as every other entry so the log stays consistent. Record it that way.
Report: 6,27
